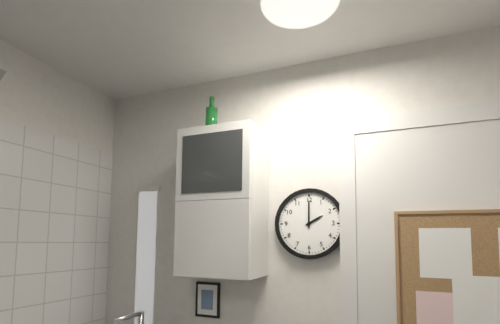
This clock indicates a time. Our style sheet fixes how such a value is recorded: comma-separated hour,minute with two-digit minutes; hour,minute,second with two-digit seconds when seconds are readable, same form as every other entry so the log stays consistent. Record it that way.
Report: 2,00
